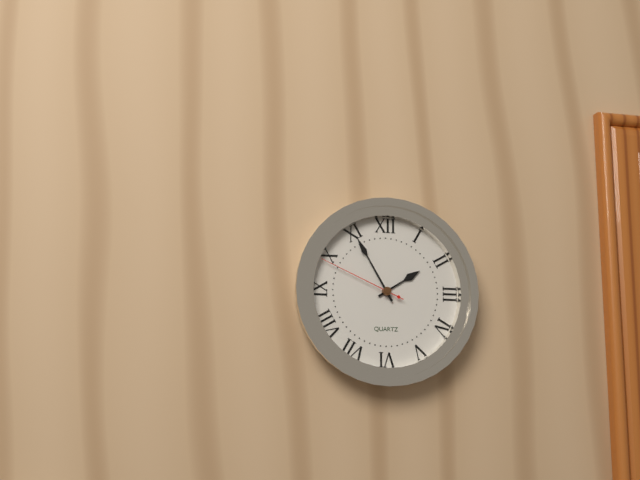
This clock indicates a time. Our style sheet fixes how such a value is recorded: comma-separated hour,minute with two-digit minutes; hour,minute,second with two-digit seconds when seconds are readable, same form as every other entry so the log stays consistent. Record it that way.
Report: 1,55,49
